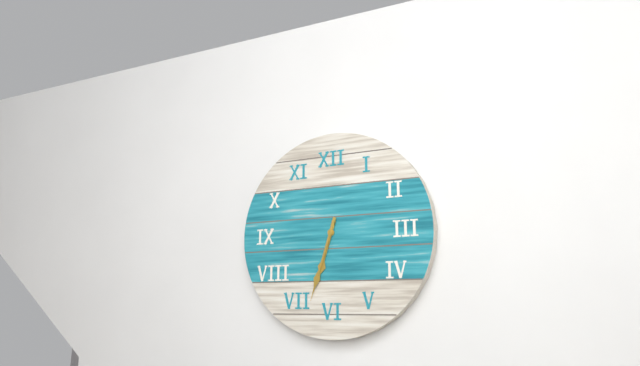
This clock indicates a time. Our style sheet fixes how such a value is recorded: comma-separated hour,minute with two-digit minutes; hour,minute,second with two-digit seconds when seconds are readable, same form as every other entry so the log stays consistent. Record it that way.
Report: 6,33
